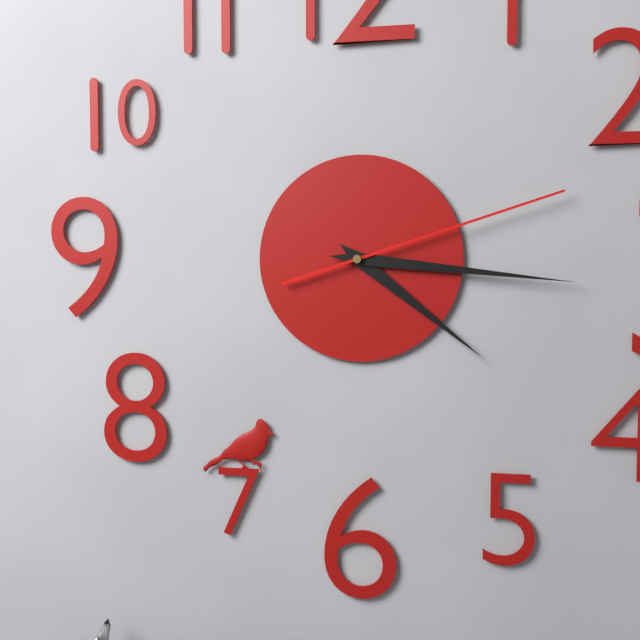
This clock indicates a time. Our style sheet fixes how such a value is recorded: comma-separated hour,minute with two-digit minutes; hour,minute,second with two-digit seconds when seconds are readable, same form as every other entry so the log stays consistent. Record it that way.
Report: 4,16,12
